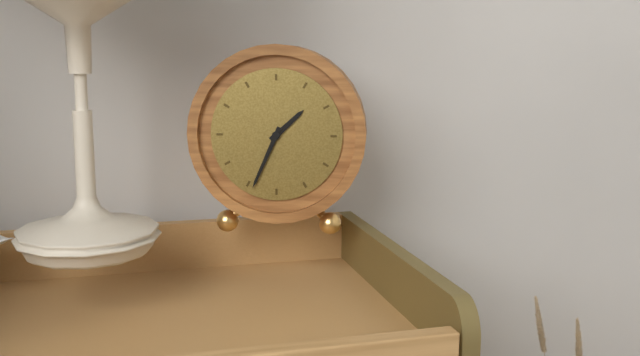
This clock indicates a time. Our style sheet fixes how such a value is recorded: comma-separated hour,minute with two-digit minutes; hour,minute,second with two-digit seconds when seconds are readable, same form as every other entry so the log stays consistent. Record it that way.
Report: 1,34
